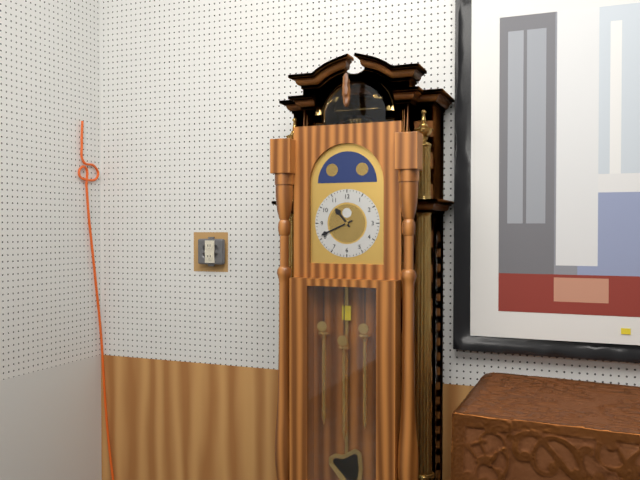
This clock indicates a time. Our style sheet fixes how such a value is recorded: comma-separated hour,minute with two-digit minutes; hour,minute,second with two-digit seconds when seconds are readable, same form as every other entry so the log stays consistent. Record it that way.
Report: 10,41
